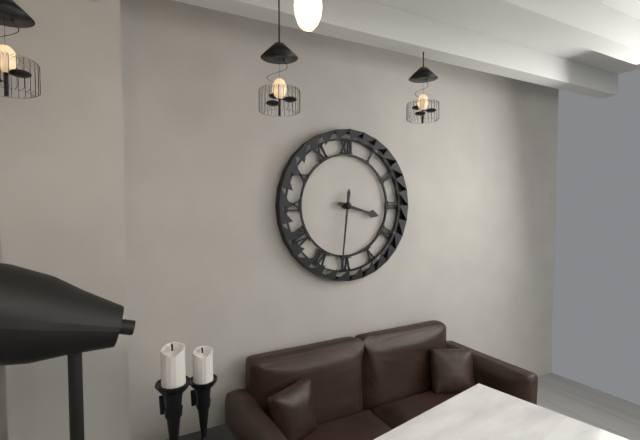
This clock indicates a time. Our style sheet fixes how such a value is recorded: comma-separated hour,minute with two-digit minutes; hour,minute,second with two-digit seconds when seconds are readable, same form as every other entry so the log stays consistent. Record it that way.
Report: 3,31
